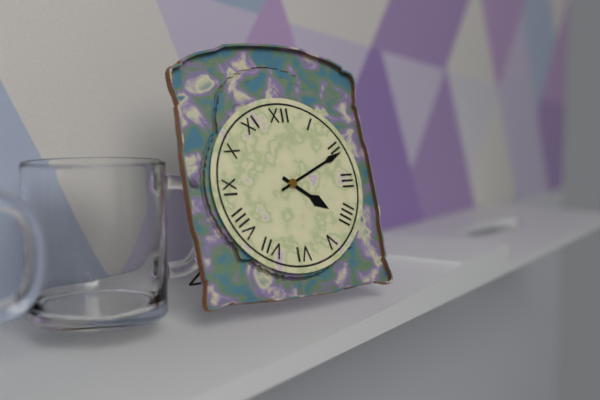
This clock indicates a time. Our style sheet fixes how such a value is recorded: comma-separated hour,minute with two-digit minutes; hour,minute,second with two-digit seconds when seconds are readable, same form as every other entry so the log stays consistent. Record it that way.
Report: 4,11
